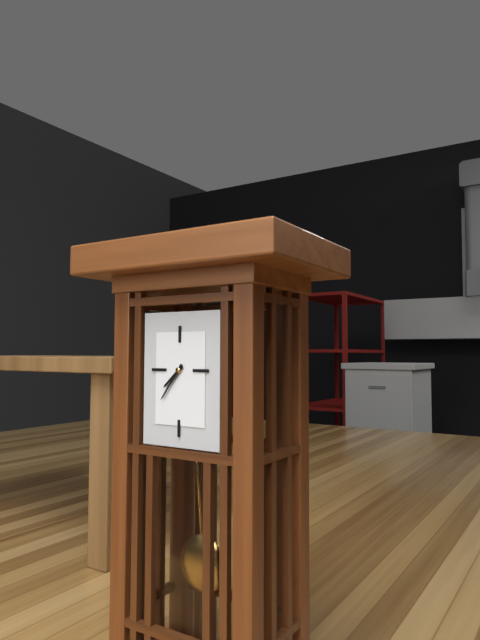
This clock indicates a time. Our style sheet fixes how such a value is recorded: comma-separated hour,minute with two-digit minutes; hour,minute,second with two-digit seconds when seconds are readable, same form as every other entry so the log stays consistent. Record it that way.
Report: 7,36
